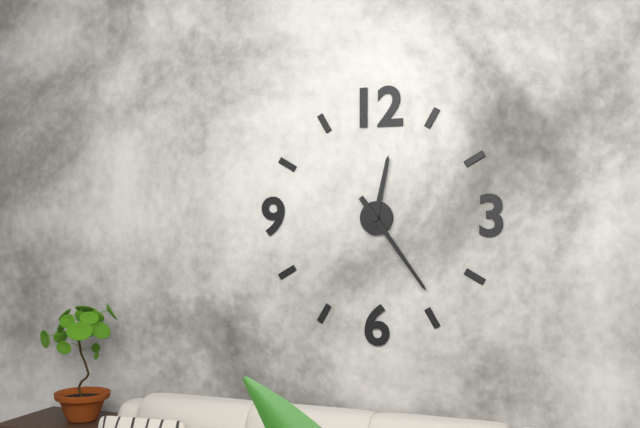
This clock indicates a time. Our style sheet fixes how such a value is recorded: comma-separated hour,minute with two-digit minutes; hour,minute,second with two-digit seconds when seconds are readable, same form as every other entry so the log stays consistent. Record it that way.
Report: 12,24
